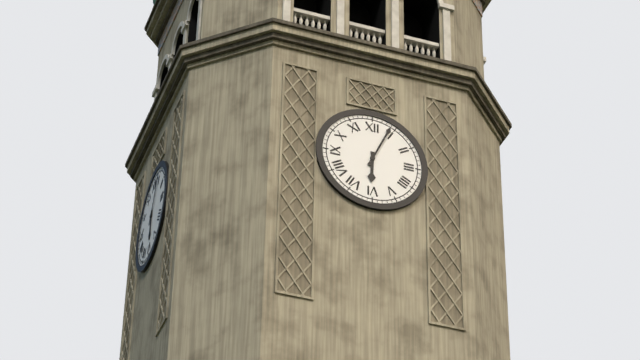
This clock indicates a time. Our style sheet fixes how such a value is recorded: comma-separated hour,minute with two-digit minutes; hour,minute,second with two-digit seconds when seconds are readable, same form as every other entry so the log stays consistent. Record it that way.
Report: 6,04
